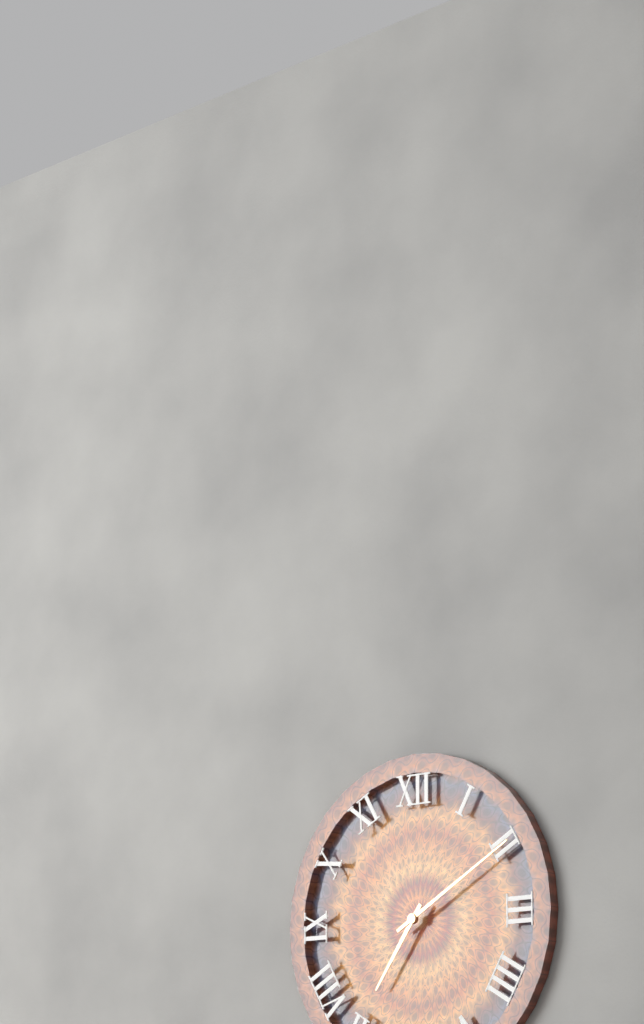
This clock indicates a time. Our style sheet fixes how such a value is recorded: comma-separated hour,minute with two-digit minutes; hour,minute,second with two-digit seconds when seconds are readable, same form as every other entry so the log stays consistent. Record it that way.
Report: 7,10
